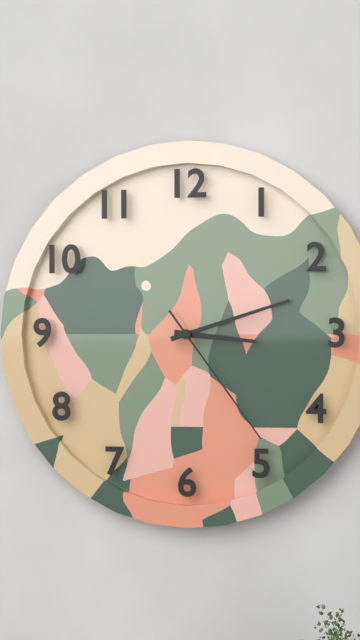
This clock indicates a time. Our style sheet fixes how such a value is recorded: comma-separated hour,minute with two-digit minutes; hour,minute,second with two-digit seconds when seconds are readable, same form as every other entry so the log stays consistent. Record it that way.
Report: 3,12,24
